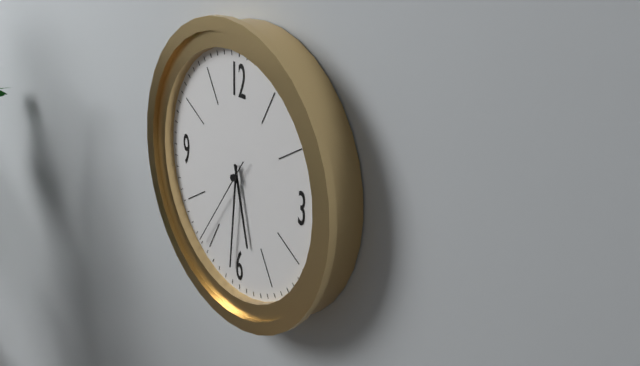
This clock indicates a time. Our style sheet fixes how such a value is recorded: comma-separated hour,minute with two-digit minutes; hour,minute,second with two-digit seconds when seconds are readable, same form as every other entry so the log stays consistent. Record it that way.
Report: 5,31,36
